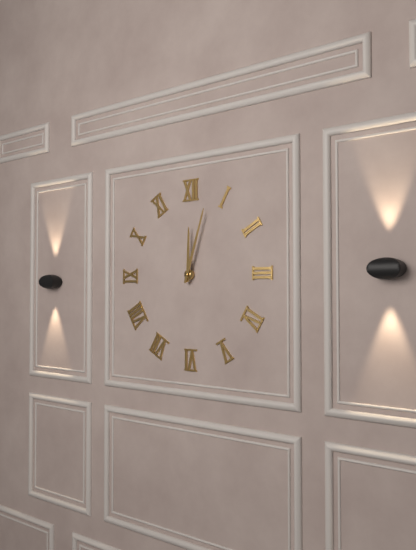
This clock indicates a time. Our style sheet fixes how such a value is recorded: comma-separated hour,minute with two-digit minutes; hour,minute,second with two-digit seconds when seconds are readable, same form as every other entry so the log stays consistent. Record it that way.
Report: 12,03
